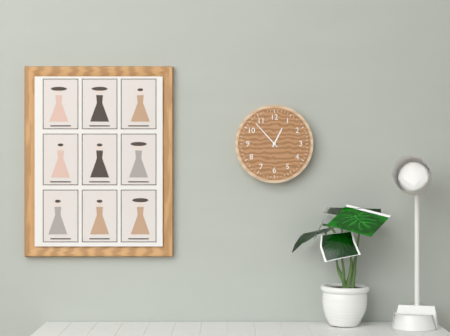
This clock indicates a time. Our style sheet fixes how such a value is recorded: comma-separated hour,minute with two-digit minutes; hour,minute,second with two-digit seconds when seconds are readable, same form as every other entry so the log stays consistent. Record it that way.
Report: 12,53
